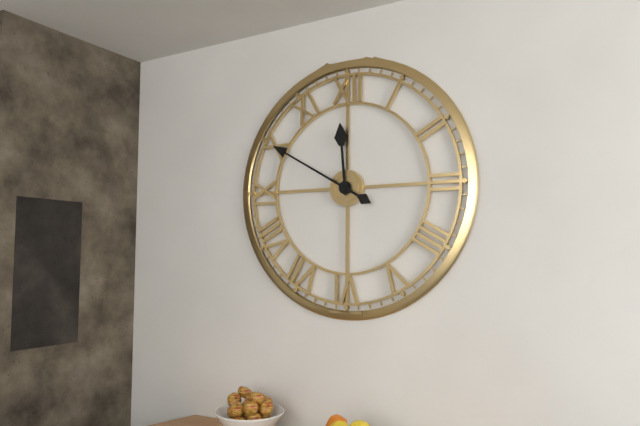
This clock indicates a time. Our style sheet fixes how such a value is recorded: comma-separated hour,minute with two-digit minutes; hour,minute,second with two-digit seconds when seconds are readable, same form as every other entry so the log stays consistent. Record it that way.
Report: 11,50
